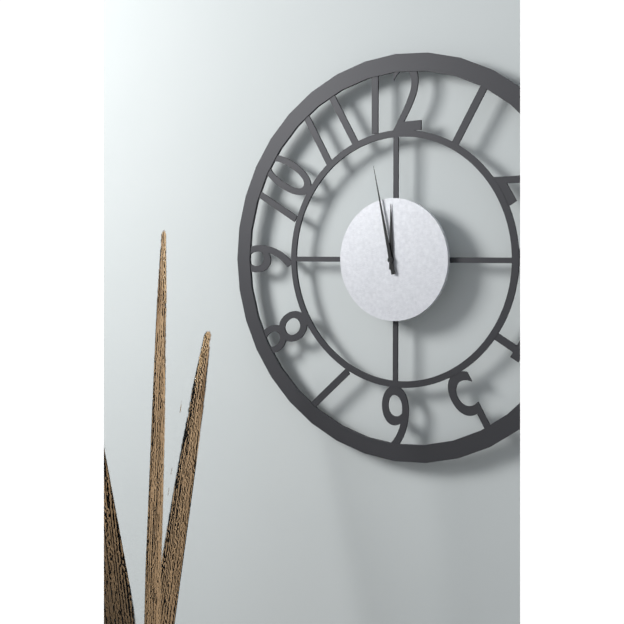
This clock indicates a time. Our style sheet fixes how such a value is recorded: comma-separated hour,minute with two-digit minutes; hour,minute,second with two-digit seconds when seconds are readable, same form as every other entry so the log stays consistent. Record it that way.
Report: 11,58
